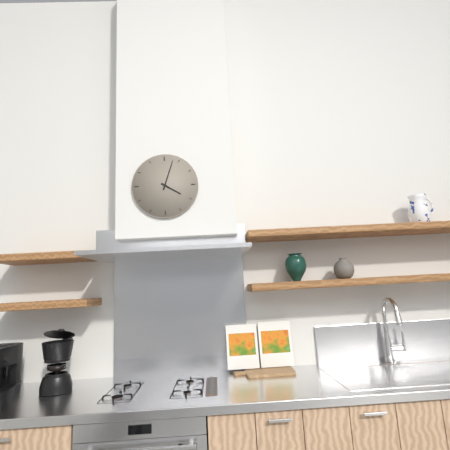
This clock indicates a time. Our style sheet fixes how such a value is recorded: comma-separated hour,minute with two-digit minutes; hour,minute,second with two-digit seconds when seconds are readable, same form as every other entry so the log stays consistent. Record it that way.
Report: 4,03
